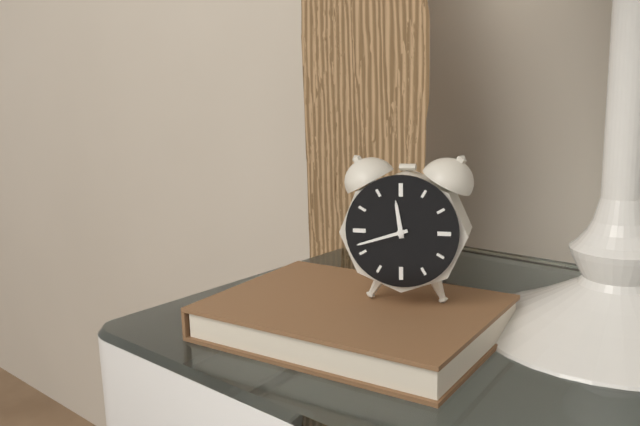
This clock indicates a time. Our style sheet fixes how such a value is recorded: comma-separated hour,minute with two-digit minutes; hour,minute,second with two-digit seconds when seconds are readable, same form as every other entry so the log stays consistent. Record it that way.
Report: 11,42
